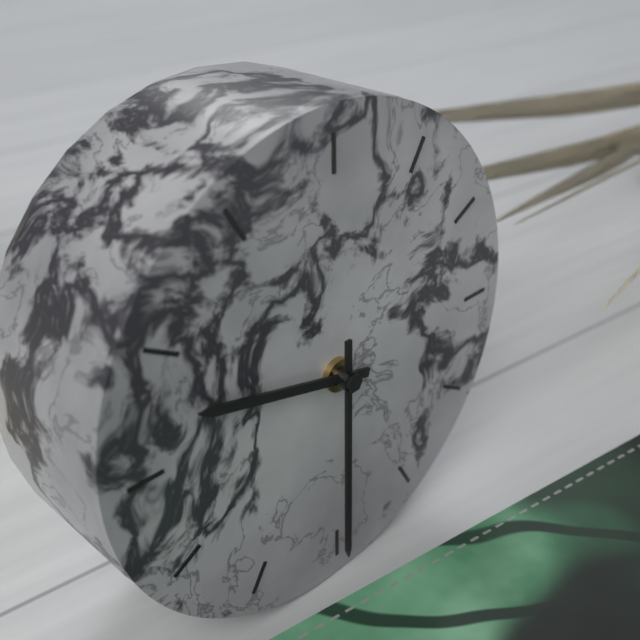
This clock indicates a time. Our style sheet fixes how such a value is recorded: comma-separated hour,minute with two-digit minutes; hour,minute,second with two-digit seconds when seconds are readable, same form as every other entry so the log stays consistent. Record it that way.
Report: 9,30
